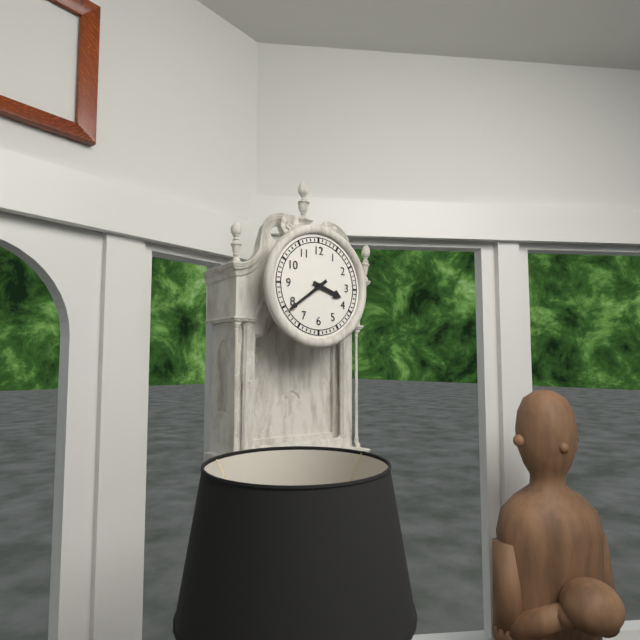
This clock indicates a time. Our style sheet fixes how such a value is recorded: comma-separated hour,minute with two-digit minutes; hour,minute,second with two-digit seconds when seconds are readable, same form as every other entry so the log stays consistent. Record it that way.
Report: 3,39
